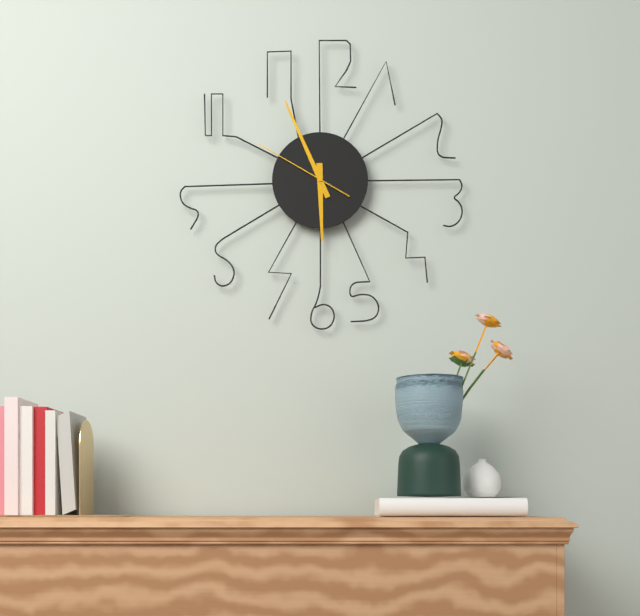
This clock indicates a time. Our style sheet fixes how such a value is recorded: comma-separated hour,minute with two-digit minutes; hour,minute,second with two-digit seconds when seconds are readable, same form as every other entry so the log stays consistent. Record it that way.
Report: 5,56,50
